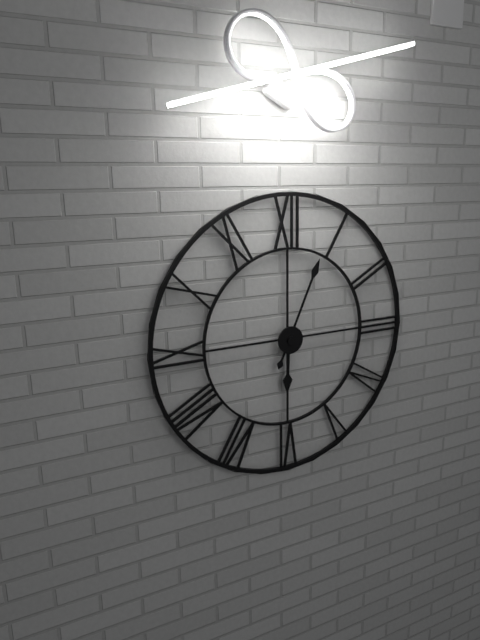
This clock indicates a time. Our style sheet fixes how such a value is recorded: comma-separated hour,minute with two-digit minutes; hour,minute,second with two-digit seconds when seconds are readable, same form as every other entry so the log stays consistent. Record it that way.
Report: 6,04
